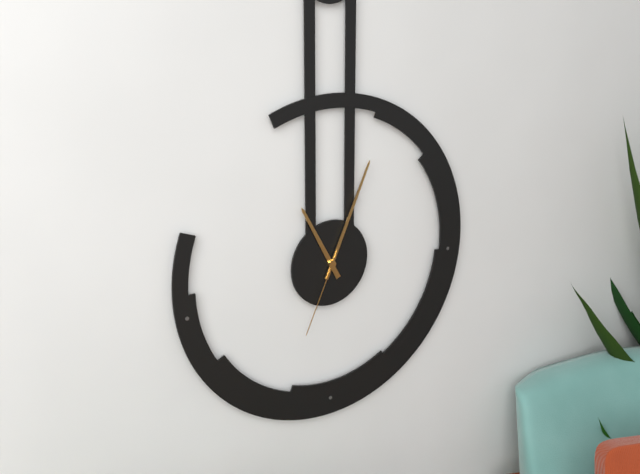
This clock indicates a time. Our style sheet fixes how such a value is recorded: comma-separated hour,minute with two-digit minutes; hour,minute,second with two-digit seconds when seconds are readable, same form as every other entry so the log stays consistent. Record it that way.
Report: 11,04,34
